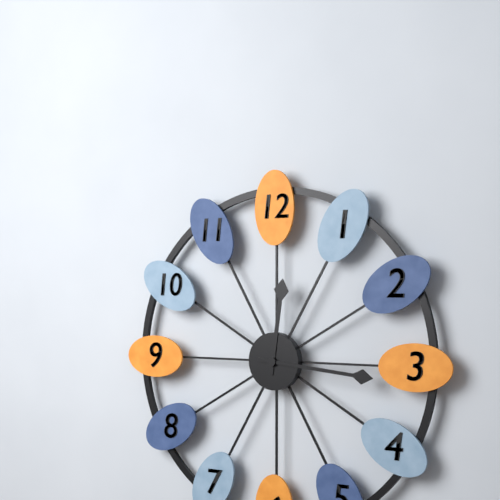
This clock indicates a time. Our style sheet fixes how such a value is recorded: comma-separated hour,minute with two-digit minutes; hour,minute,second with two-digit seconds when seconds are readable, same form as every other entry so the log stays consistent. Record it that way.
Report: 12,16
